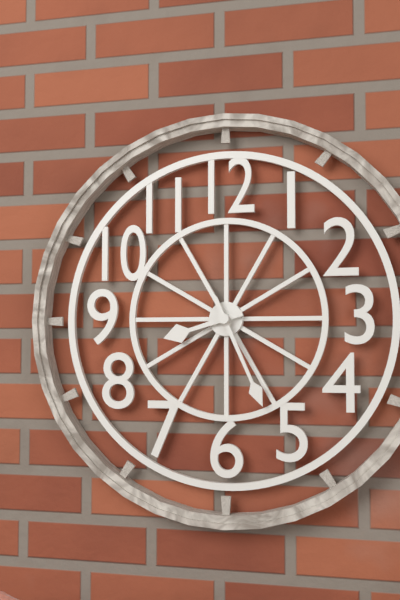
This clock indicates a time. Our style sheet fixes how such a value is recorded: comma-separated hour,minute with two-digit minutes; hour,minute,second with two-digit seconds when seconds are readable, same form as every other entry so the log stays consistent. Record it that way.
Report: 8,26
